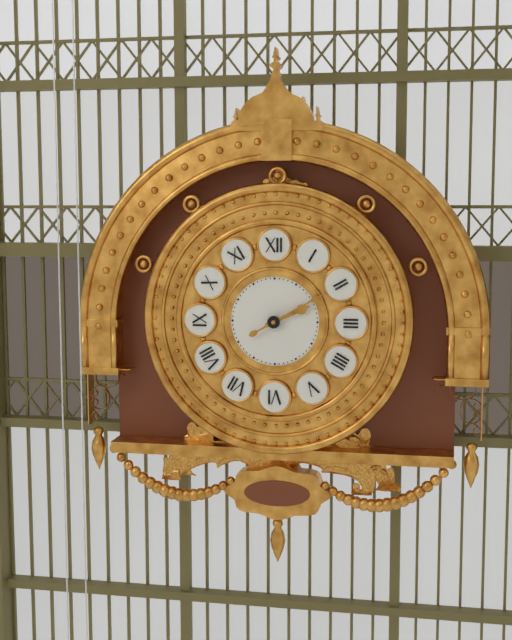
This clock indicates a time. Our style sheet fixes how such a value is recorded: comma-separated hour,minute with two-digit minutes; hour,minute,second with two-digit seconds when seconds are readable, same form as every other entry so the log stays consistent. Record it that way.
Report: 2,10
